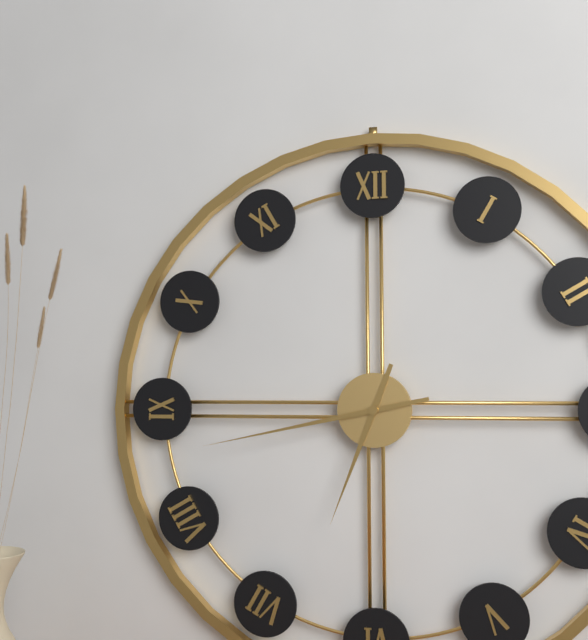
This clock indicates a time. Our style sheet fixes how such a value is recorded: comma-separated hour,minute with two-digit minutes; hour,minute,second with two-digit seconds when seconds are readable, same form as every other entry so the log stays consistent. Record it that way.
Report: 6,43
